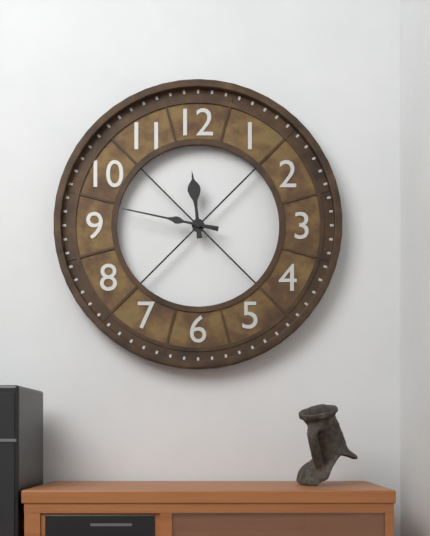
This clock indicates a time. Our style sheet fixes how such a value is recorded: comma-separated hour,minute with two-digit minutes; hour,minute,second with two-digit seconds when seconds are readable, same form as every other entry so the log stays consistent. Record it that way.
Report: 11,47
